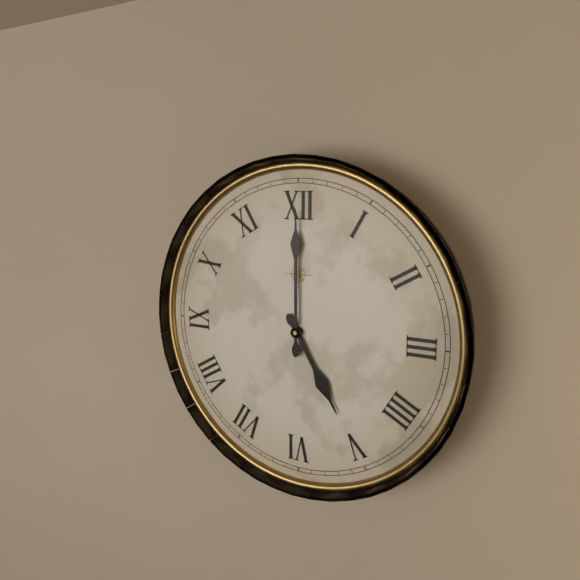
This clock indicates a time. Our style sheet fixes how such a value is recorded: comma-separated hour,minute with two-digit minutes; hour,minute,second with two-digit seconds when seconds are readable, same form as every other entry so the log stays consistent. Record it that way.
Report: 5,00
